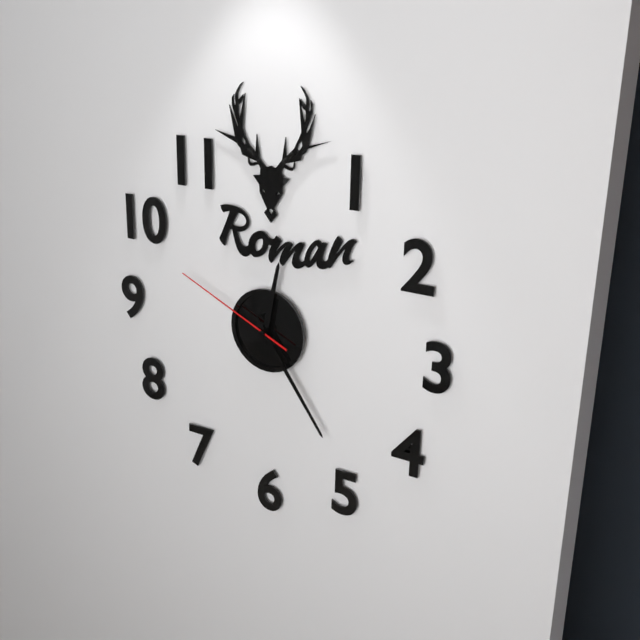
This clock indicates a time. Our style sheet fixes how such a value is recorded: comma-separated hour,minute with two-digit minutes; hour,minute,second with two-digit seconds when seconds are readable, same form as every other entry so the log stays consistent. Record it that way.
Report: 12,24,49
